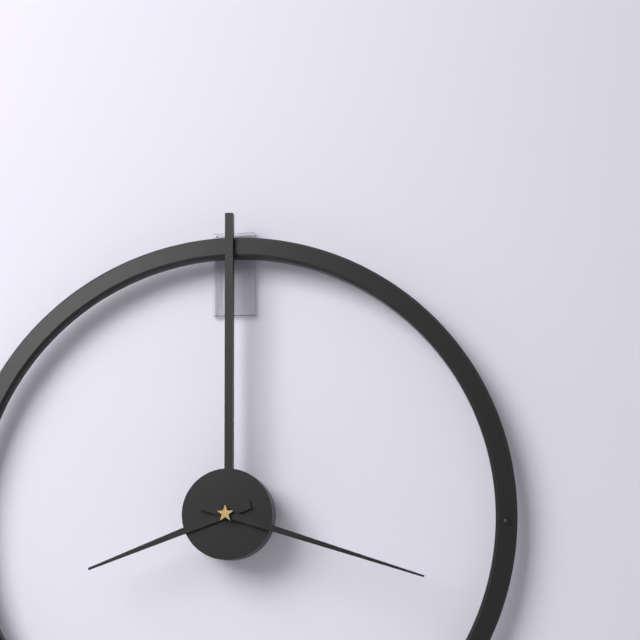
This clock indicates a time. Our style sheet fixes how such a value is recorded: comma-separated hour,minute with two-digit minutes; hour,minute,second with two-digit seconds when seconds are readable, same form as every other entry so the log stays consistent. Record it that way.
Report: 8,18
